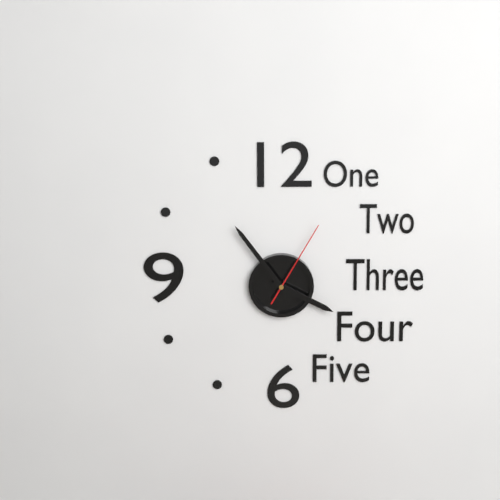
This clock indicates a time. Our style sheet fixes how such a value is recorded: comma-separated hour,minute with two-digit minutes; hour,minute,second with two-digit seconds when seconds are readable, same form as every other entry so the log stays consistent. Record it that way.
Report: 3,54,05
